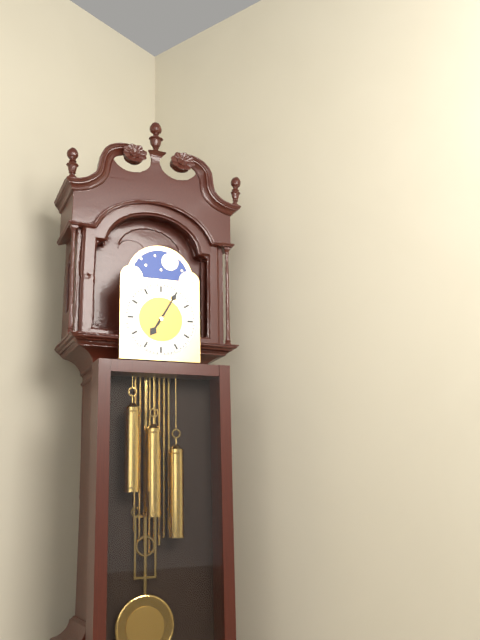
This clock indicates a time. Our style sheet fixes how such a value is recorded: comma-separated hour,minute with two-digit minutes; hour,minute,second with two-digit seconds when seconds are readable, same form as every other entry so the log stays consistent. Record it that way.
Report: 7,05
